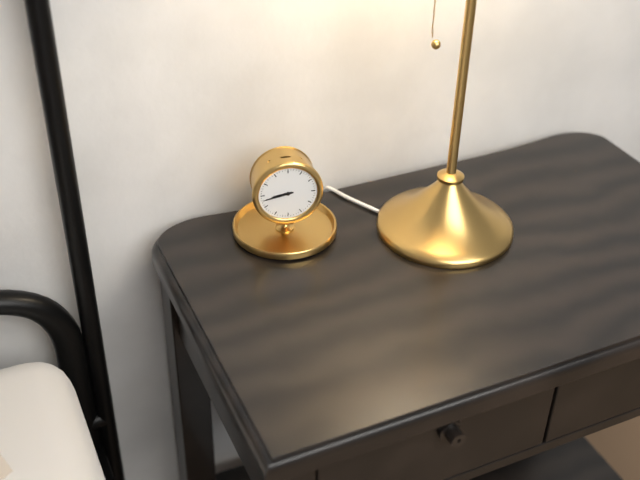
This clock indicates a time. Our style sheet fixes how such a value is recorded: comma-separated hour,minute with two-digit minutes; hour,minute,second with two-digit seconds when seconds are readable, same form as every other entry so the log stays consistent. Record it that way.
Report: 8,43
